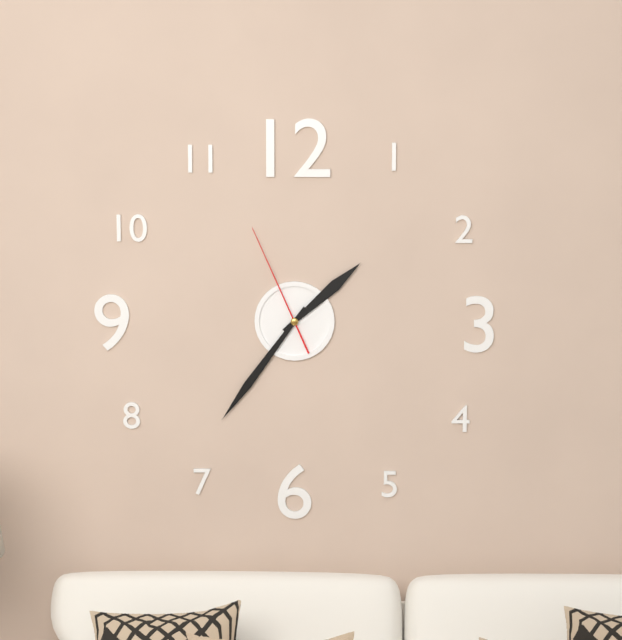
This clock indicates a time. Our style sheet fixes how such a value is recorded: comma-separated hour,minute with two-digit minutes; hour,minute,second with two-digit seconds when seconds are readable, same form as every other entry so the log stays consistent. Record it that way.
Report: 1,36,56
